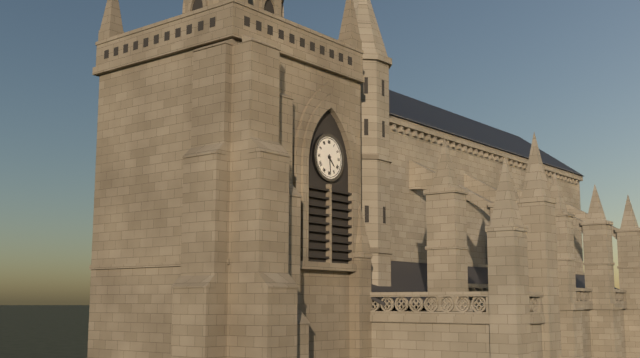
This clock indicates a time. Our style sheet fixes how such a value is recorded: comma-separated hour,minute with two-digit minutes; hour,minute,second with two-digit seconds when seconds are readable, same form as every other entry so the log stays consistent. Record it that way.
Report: 4,29
